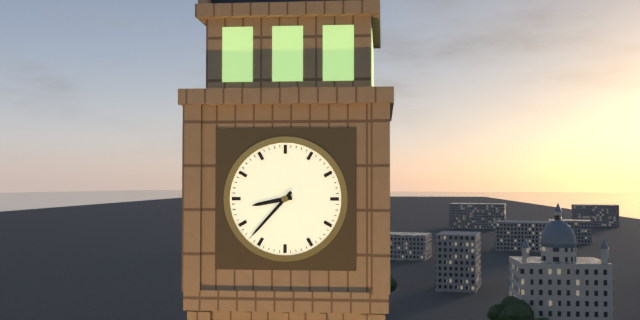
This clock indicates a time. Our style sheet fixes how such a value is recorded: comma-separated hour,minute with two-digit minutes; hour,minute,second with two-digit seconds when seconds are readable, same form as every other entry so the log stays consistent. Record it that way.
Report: 8,37
